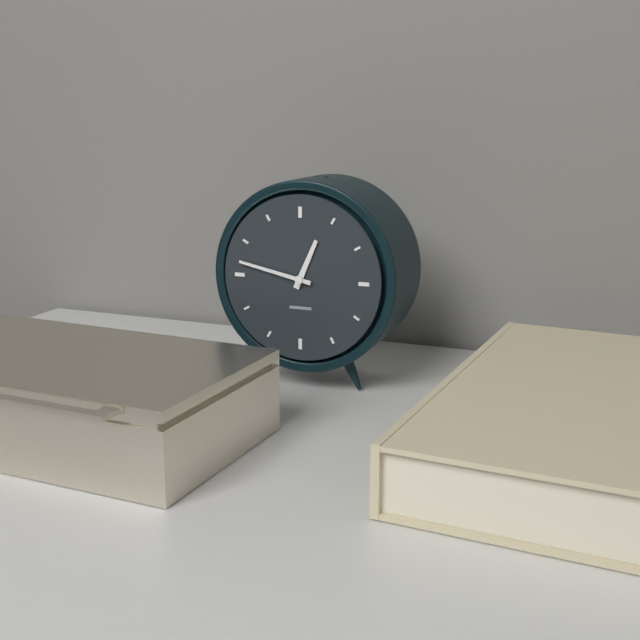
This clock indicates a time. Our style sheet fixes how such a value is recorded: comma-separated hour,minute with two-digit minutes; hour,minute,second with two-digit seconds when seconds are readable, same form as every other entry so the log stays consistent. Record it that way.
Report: 12,47
